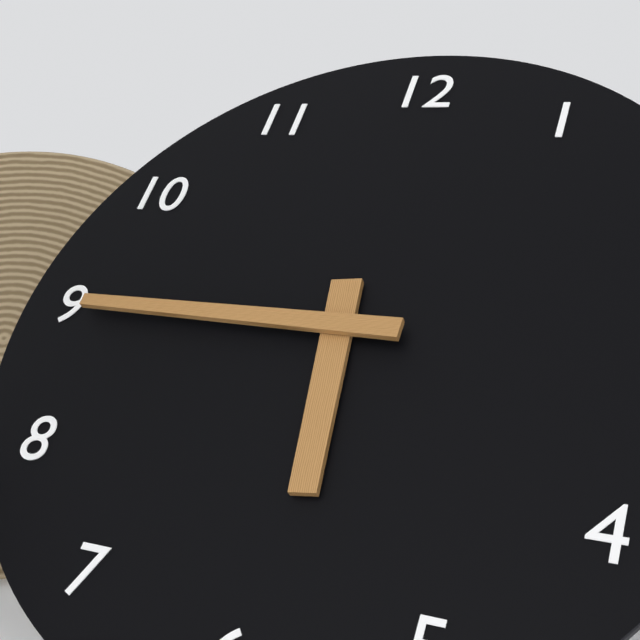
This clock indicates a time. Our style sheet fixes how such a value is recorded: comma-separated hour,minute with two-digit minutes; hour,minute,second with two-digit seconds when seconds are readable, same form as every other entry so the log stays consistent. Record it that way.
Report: 5,45
